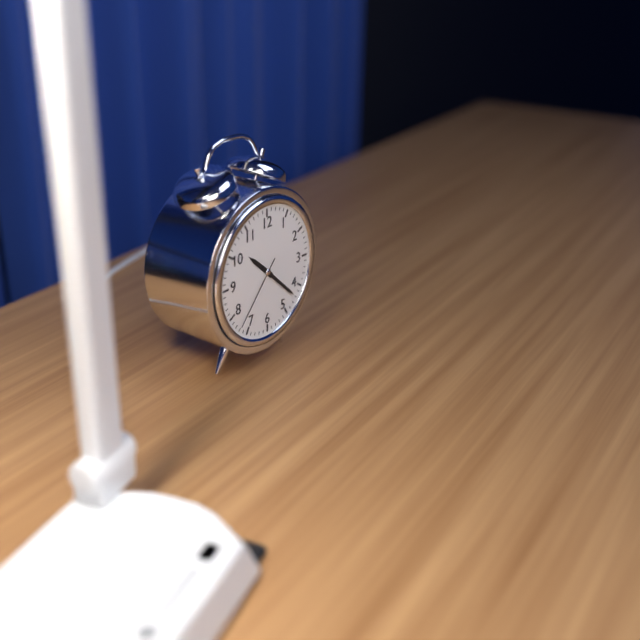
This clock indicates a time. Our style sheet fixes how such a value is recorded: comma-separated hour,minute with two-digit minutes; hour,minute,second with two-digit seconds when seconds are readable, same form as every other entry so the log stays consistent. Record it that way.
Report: 10,22,37
